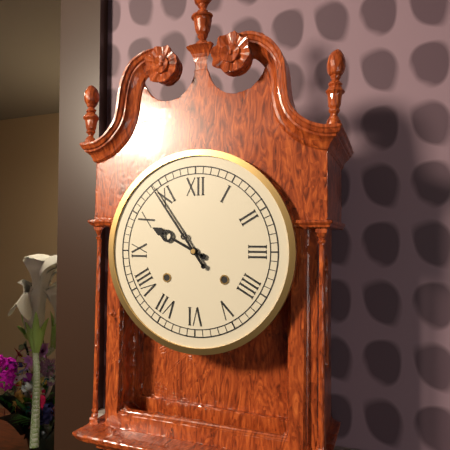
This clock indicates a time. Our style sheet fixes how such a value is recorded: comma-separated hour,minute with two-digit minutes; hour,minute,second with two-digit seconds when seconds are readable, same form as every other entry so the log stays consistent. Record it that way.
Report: 9,54
